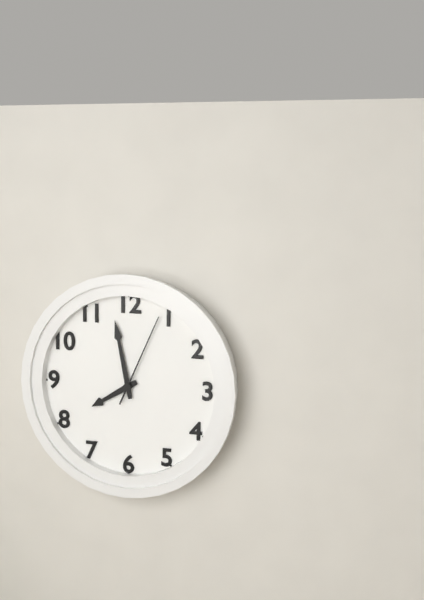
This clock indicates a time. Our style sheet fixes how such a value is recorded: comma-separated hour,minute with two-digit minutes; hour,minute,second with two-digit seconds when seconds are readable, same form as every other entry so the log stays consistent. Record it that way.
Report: 7,58,04
